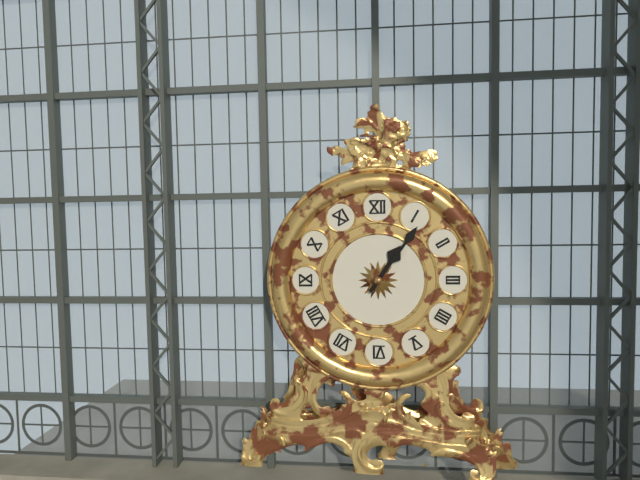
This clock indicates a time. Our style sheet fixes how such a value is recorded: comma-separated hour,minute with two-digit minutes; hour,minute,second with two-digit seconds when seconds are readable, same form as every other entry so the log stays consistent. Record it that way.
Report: 1,06
